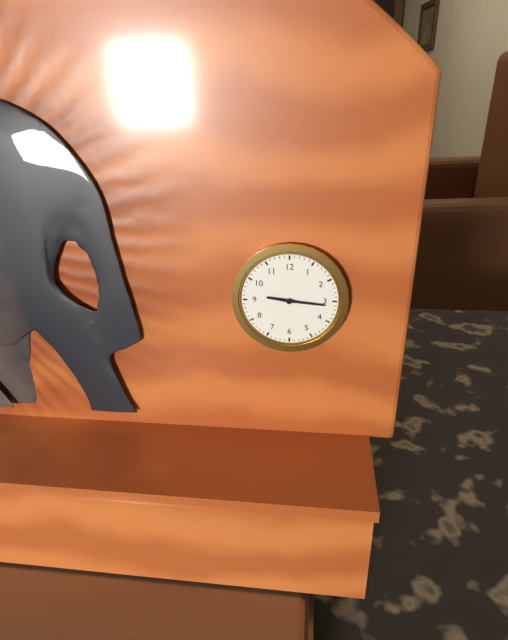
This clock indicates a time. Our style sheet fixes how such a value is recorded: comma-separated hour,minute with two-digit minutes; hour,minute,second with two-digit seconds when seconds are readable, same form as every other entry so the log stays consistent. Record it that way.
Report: 9,16
